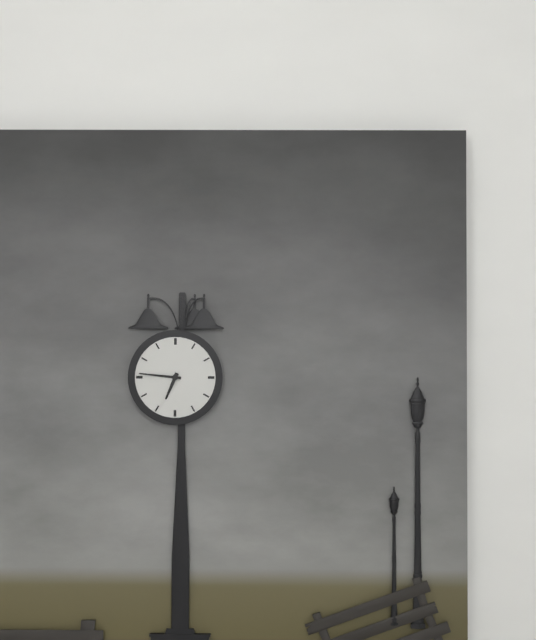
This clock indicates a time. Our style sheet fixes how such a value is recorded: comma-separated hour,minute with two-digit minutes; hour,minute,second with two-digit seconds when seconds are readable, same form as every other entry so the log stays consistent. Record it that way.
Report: 6,46
